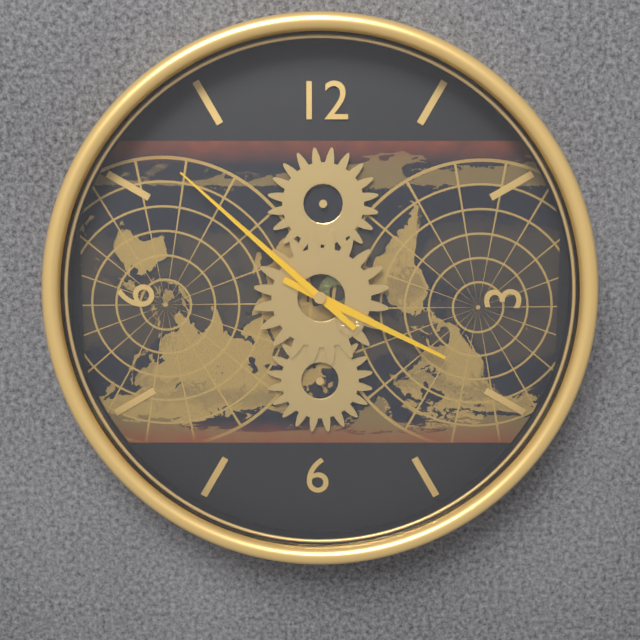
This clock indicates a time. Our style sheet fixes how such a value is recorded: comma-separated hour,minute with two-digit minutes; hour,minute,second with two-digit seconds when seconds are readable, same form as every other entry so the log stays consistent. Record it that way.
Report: 3,52
